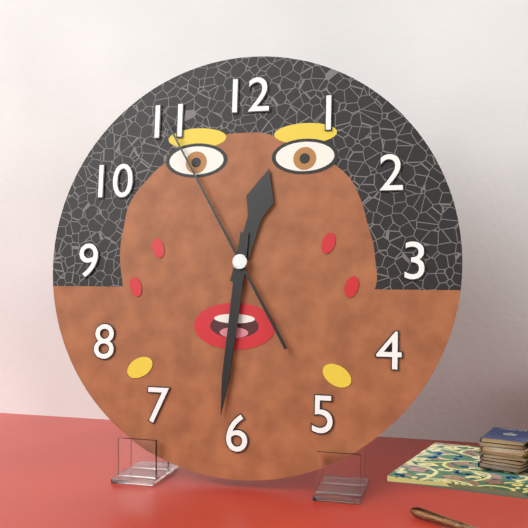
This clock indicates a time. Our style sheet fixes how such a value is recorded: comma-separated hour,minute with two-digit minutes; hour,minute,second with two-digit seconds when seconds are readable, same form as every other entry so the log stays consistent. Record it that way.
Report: 12,31,55
